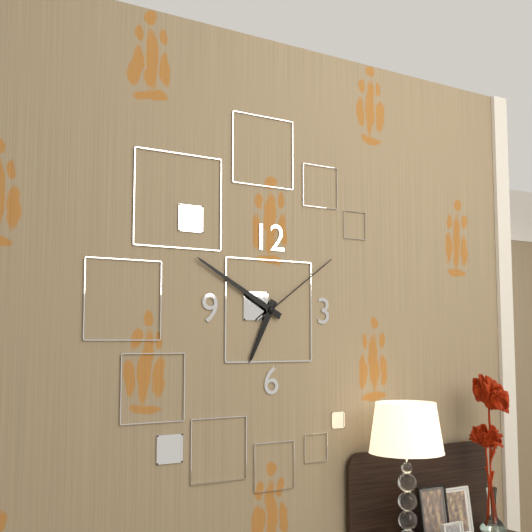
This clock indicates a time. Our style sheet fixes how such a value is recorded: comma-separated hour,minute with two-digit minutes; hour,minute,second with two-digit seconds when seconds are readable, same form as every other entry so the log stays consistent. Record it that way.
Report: 6,50,09
